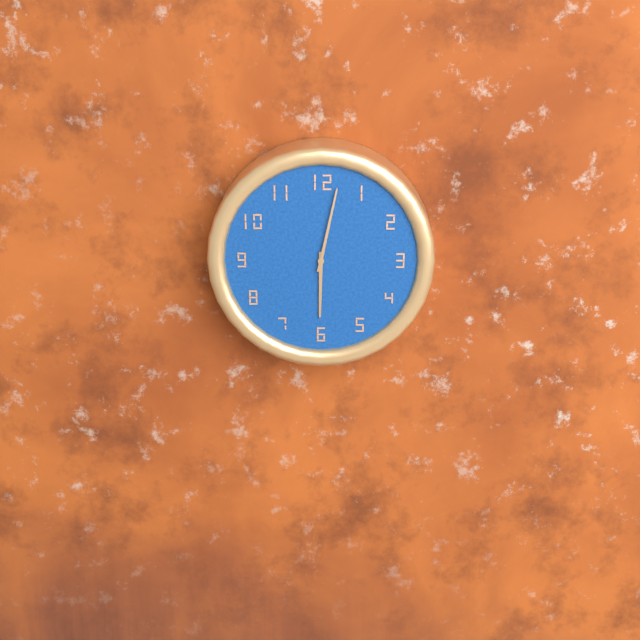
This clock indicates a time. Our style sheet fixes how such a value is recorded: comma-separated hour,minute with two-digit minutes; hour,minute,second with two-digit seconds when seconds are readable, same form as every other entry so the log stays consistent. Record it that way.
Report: 6,02
